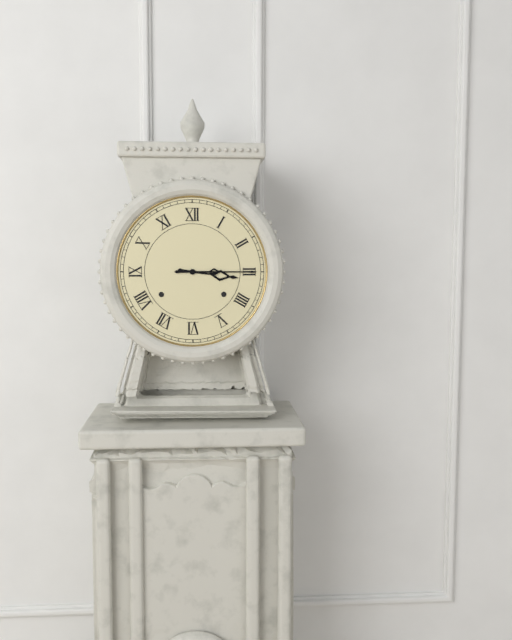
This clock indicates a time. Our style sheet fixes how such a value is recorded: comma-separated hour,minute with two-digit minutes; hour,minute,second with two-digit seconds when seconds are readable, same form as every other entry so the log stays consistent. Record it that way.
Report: 3,15
